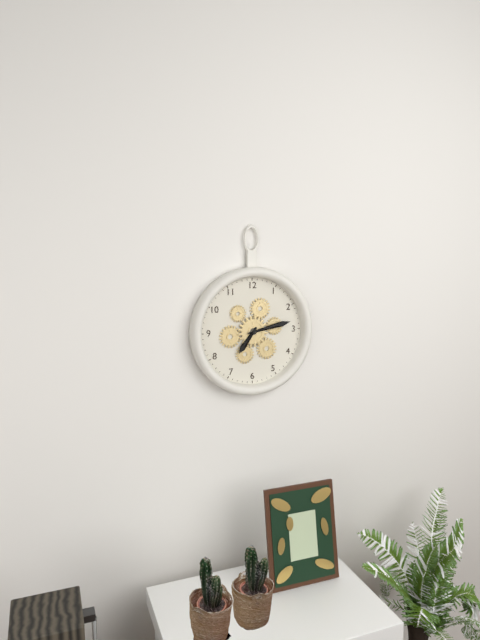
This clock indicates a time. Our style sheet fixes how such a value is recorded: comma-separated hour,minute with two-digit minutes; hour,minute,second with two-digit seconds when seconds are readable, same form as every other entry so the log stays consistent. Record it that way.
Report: 7,13
